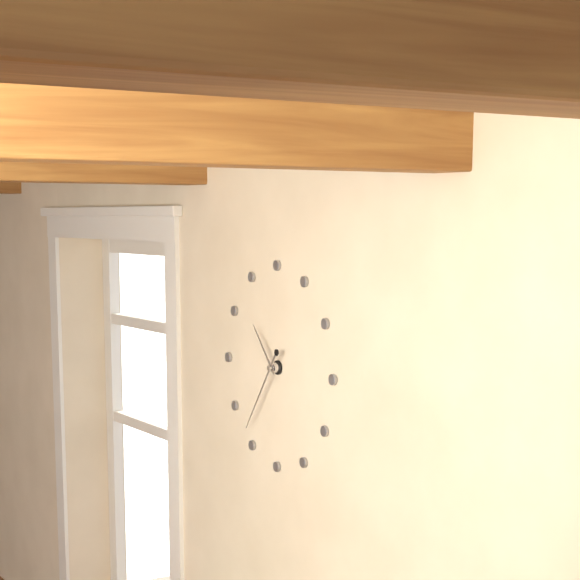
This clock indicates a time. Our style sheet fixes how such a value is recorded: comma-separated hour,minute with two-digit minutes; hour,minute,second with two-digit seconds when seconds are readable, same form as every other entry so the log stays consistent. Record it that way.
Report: 10,36
